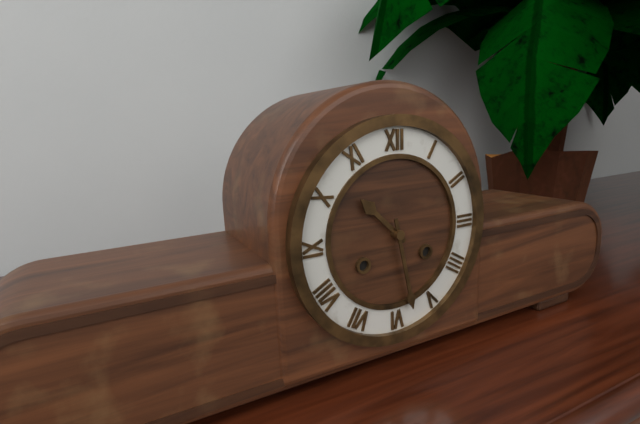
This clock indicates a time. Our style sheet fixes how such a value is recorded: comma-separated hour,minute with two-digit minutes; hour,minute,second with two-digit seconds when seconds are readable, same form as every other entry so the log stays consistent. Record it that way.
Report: 10,28
